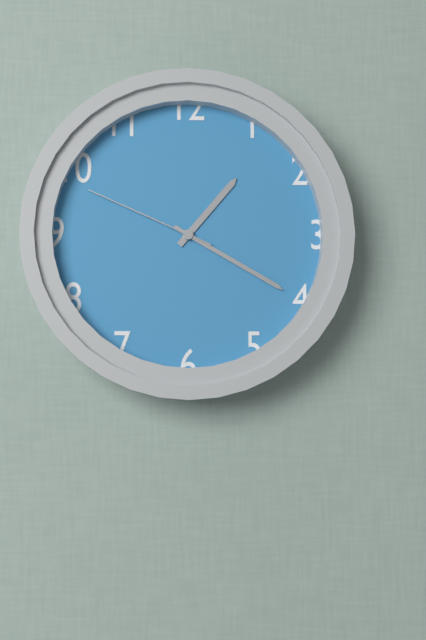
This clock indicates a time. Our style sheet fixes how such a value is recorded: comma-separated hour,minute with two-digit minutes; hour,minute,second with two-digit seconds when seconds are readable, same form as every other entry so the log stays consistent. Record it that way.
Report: 1,20,49
